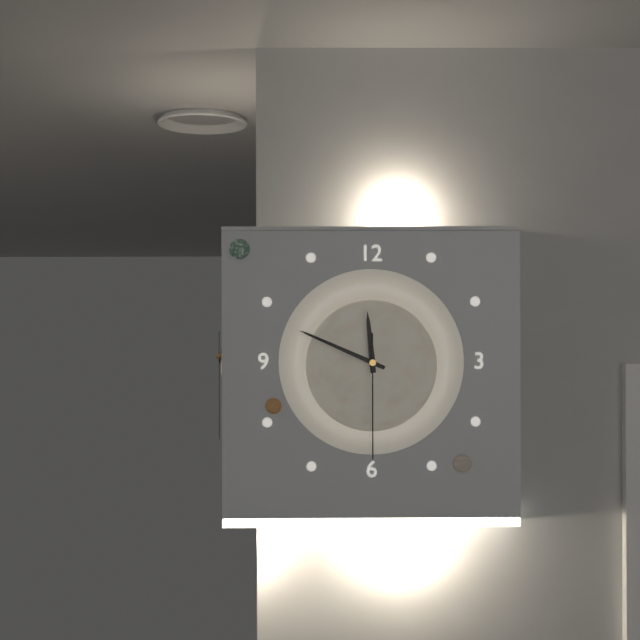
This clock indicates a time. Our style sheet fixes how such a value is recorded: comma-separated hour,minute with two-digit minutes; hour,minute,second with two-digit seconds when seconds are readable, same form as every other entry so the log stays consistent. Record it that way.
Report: 11,49,30
